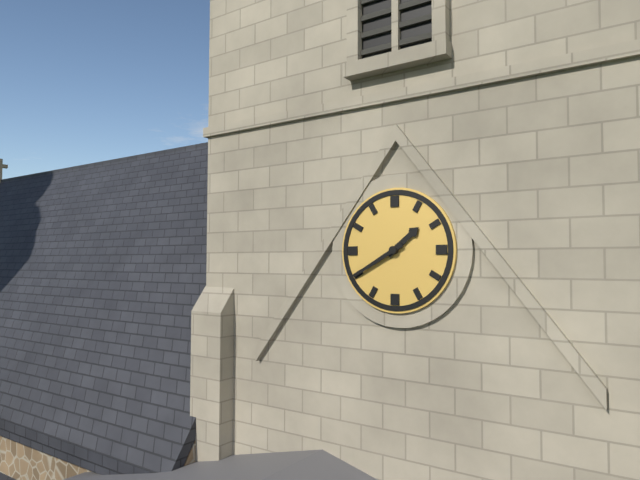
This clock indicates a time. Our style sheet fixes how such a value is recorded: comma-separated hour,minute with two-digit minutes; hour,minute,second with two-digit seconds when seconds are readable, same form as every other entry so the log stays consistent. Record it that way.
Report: 1,40
